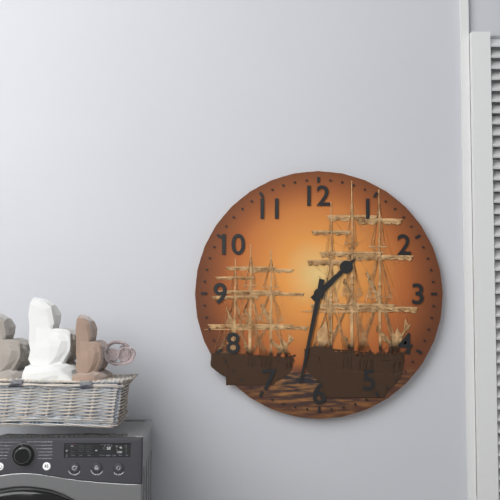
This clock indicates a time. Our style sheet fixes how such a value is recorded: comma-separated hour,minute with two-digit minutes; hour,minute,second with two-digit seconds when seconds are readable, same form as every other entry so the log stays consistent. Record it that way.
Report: 1,32
